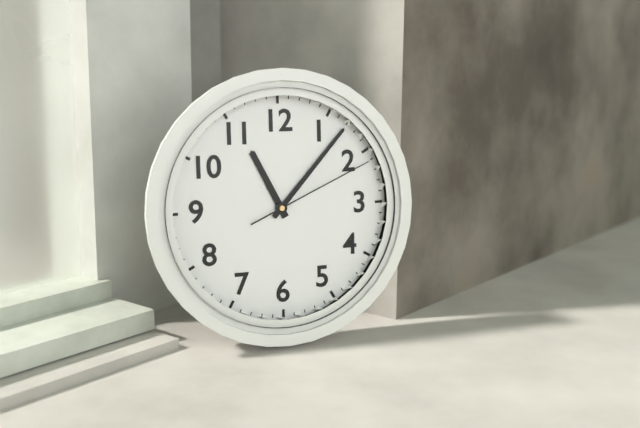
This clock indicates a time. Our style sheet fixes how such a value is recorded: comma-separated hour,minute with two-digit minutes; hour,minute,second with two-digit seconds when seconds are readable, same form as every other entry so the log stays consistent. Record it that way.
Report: 11,07,11
